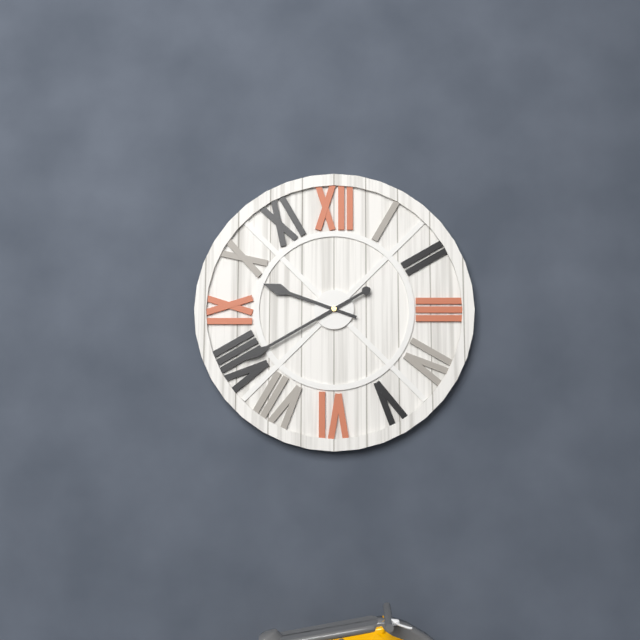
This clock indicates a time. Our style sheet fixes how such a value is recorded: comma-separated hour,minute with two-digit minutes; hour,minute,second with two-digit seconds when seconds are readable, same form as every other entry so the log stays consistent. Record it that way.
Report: 9,40
